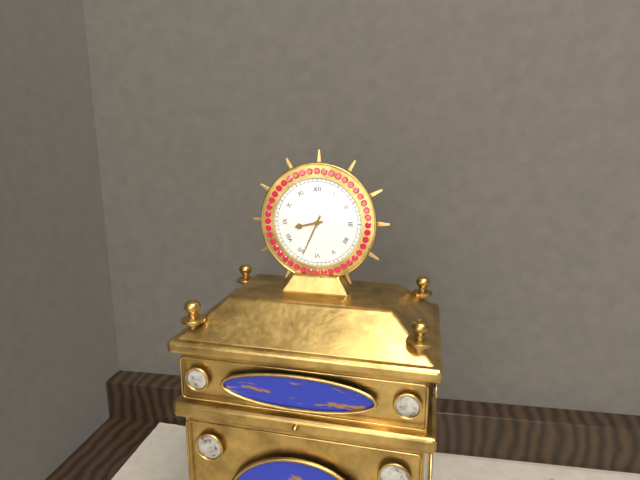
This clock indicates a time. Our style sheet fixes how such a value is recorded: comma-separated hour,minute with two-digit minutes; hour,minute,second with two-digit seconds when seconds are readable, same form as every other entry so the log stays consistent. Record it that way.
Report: 8,34
